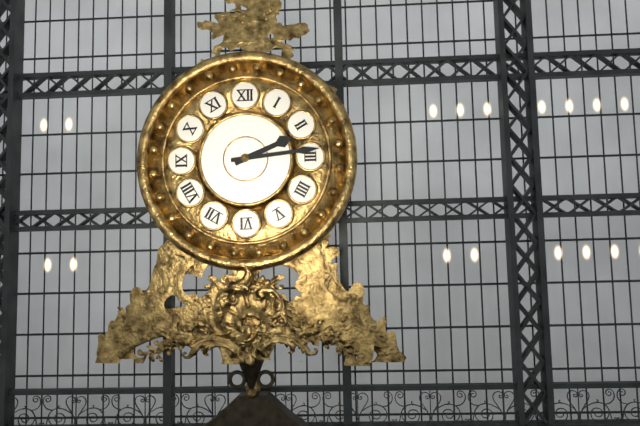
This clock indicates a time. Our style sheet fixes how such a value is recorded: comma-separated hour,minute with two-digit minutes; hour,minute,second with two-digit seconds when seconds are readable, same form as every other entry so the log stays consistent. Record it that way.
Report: 2,14
